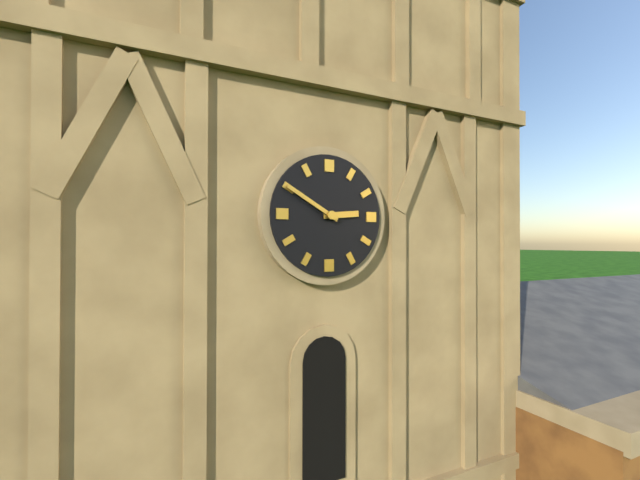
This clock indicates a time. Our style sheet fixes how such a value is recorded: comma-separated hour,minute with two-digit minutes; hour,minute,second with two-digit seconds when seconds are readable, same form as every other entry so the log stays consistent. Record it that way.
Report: 2,50
